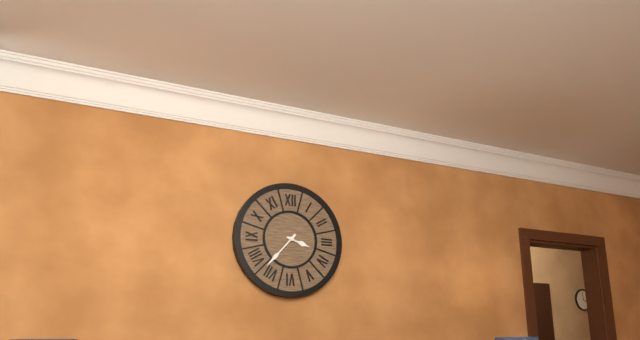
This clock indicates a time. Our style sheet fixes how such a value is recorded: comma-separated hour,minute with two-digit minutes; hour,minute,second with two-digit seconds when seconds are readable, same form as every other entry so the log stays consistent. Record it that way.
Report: 3,37
